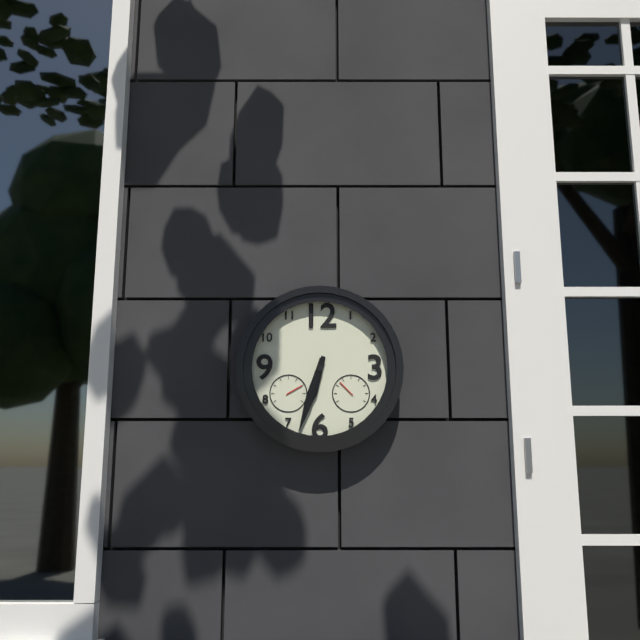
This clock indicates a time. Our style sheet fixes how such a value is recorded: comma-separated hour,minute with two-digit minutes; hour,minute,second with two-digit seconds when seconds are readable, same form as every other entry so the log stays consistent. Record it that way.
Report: 6,33
